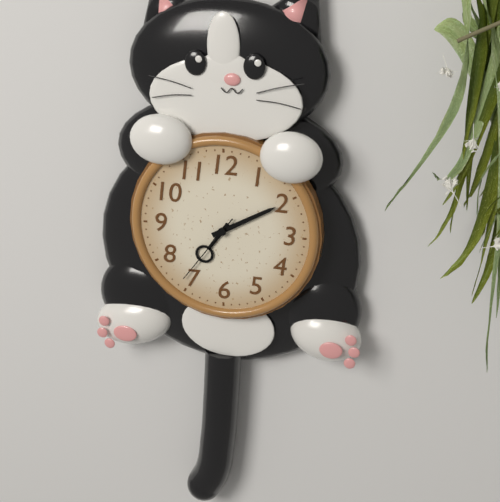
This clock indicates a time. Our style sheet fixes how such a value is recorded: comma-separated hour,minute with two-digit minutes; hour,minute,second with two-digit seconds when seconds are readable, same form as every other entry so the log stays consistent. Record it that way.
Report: 7,10,36
